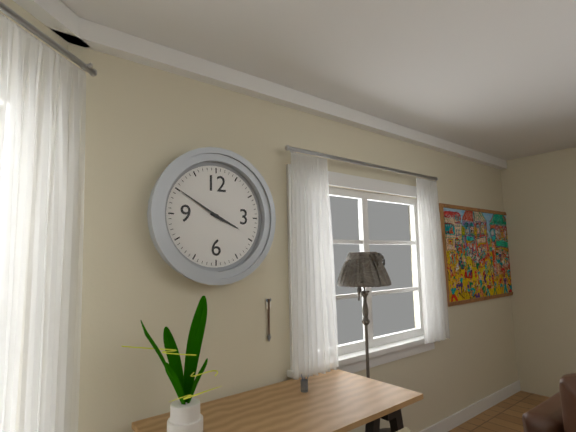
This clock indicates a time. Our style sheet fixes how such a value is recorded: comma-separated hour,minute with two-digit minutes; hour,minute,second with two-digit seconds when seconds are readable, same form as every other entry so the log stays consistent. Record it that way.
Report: 3,50
